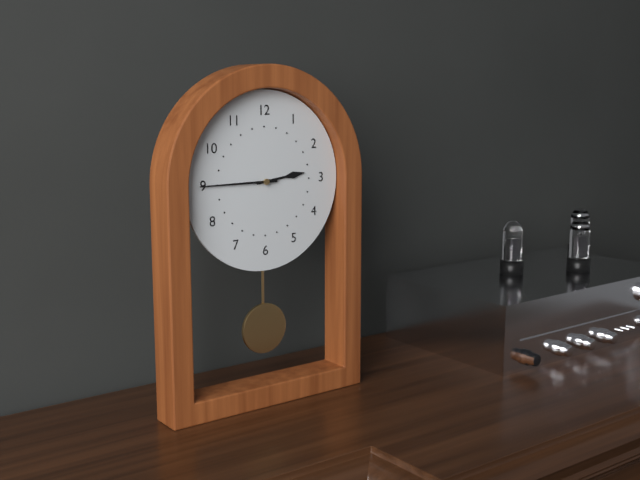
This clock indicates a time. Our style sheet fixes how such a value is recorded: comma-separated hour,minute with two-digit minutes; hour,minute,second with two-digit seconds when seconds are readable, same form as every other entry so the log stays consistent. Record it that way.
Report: 2,45
